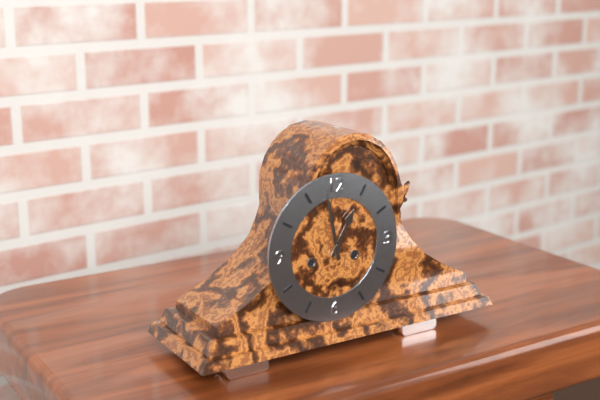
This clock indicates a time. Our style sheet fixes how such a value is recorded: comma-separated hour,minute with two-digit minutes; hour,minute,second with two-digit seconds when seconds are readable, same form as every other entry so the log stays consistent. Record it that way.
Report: 12,58
